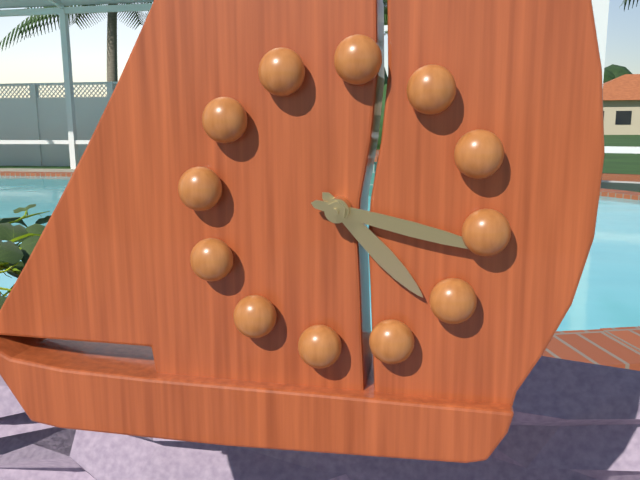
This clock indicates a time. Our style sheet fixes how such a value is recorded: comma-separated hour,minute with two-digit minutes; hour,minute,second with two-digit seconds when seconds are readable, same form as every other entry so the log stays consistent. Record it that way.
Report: 4,16
